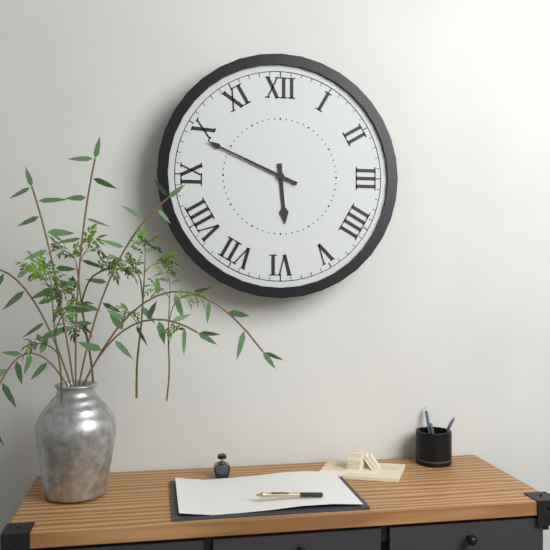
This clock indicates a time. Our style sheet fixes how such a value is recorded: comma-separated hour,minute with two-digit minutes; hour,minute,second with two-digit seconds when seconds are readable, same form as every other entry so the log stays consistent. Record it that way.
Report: 5,49
